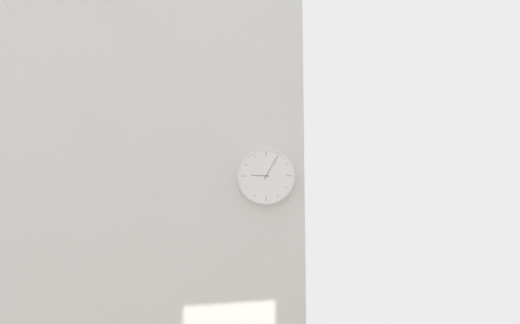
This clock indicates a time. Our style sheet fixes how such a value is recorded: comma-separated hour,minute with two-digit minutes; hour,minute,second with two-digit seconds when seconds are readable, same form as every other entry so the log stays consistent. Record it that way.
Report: 9,05
